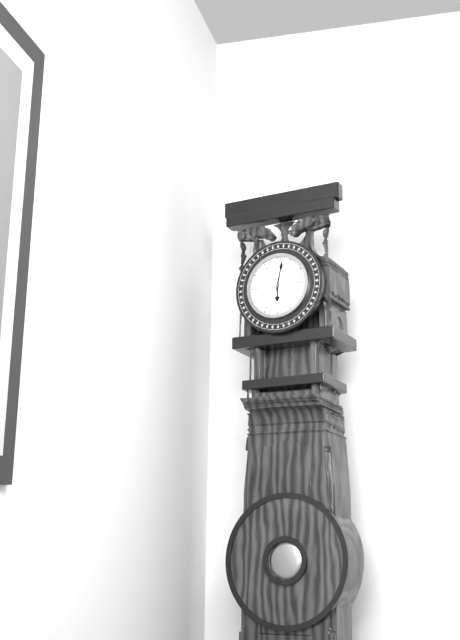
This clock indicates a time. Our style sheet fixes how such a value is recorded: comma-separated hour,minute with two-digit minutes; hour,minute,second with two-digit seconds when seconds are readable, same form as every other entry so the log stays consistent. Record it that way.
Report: 6,02
